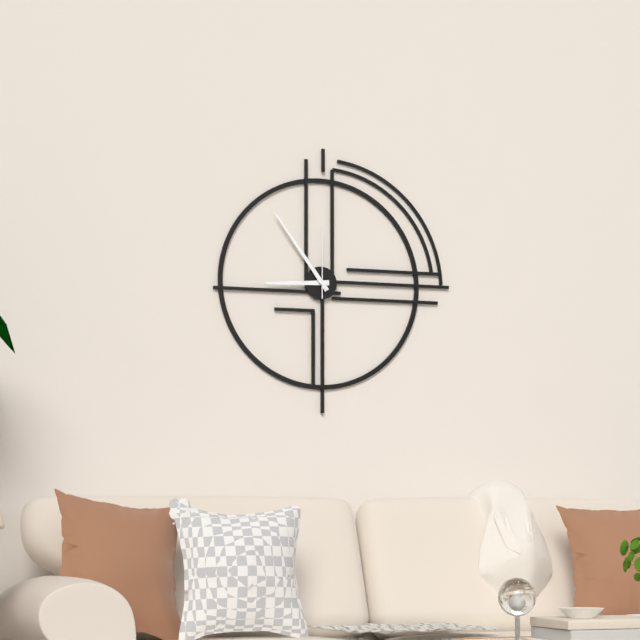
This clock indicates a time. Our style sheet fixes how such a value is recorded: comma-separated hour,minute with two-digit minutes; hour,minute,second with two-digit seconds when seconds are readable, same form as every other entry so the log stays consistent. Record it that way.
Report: 8,54,00
